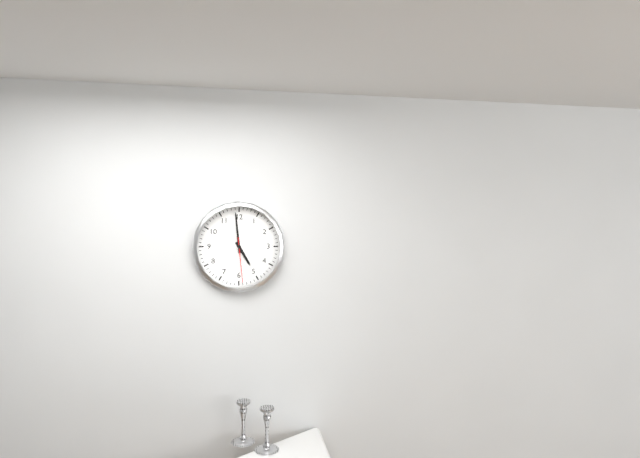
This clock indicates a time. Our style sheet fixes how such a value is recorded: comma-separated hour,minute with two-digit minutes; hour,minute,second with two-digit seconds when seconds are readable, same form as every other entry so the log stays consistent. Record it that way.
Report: 4,59
